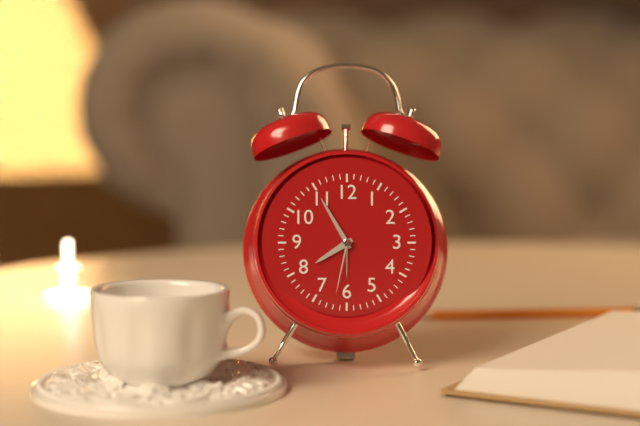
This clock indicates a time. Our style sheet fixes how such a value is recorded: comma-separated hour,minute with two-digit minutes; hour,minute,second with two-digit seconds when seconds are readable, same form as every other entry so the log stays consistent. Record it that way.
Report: 7,55,32
